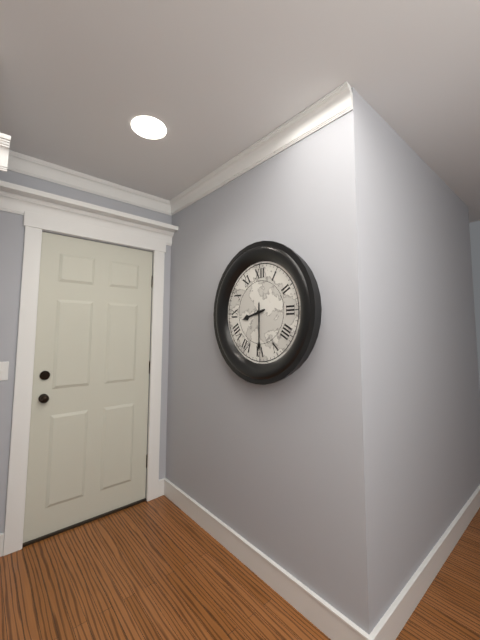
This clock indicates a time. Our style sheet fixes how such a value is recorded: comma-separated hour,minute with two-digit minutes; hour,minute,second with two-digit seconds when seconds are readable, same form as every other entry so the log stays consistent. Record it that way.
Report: 8,30
